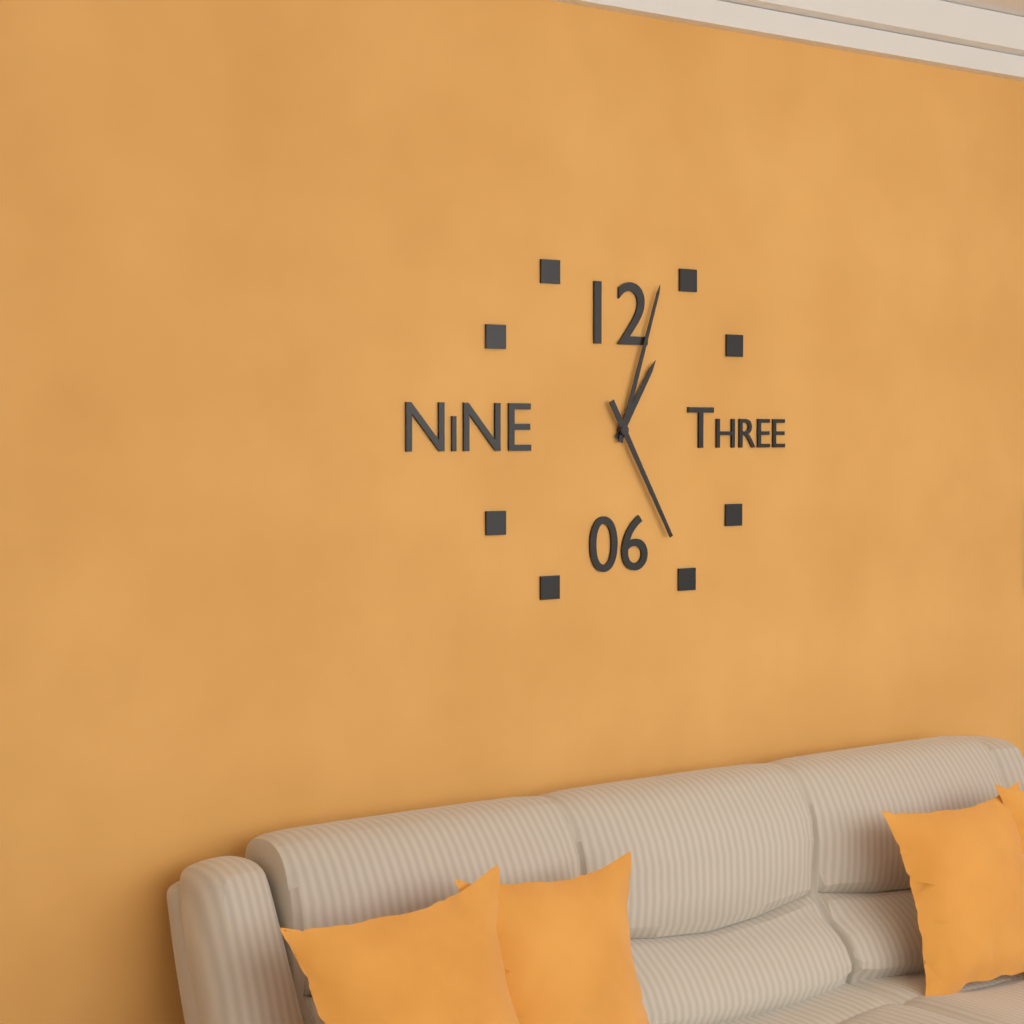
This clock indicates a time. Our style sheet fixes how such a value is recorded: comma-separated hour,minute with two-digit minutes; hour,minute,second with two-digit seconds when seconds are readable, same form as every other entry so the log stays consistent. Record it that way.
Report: 1,03,25
